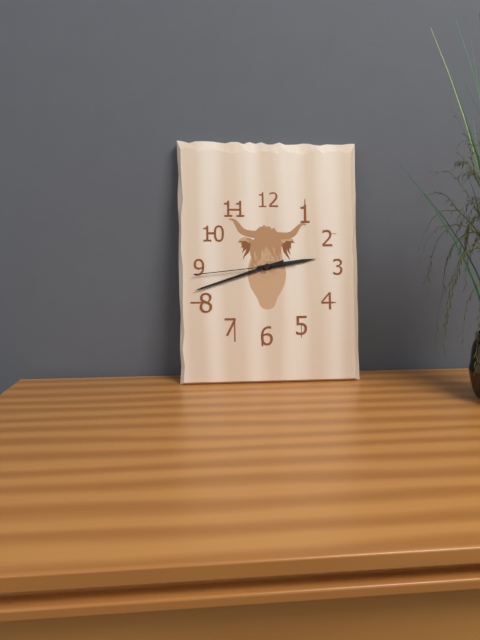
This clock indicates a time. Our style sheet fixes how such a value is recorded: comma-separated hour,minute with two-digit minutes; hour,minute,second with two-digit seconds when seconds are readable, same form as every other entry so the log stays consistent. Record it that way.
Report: 2,42,44
